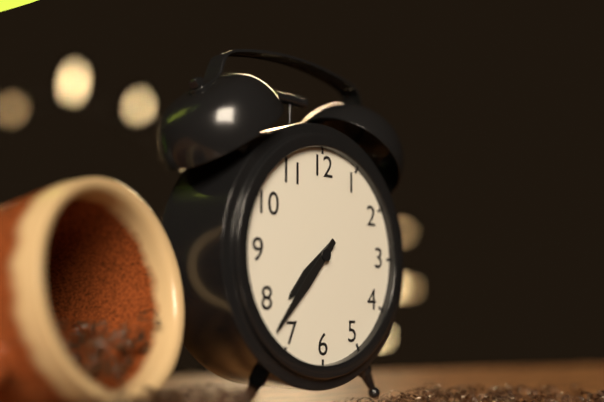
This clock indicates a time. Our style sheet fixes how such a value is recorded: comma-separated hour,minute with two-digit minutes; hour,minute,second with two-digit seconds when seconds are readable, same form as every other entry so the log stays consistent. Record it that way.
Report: 7,37
